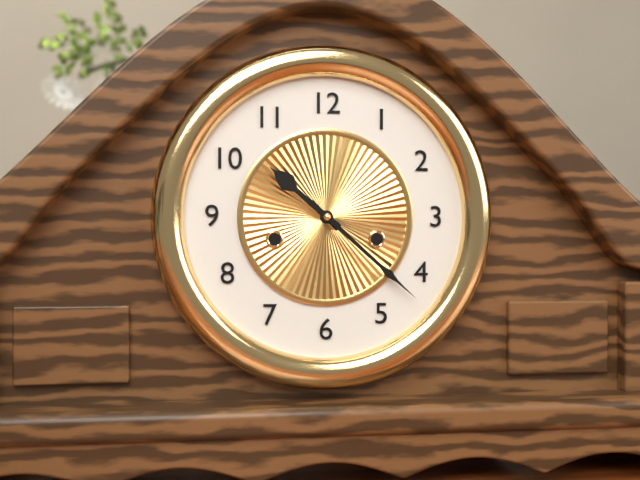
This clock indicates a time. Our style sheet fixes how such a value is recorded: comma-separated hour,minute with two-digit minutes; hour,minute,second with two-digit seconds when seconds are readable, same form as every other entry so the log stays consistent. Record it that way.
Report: 10,22
